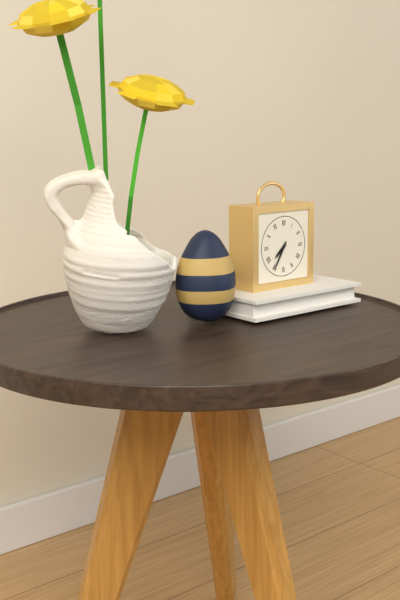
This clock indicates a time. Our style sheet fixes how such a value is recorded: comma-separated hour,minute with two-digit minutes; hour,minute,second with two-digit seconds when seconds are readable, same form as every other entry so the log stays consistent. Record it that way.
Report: 7,35
